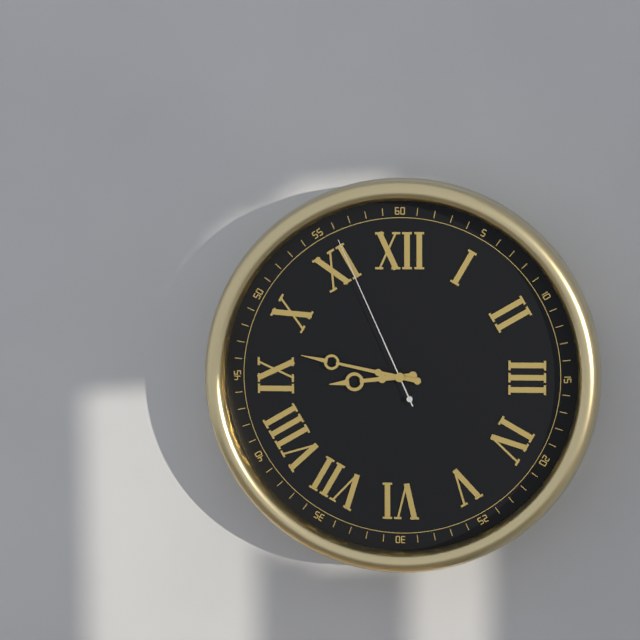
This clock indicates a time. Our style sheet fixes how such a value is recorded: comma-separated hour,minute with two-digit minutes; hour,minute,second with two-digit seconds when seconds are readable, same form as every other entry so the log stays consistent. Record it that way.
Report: 8,47,56
